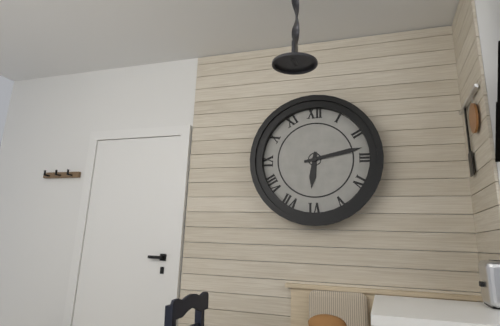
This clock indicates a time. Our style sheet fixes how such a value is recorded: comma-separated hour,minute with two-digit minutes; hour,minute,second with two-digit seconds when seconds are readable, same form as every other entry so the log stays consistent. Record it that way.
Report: 6,13
